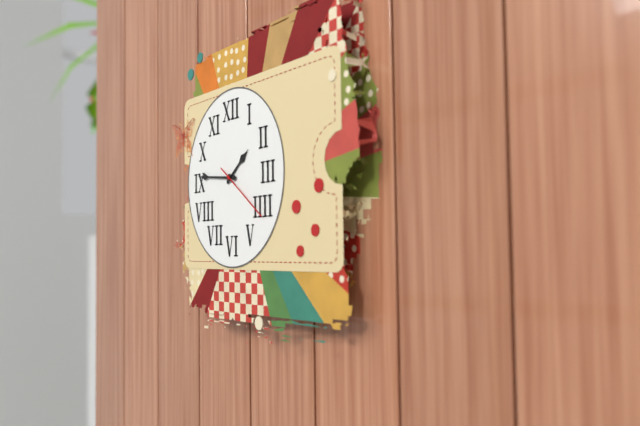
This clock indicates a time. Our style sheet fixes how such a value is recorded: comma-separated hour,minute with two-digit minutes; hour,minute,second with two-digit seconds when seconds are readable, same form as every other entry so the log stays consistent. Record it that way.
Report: 1,46,21
